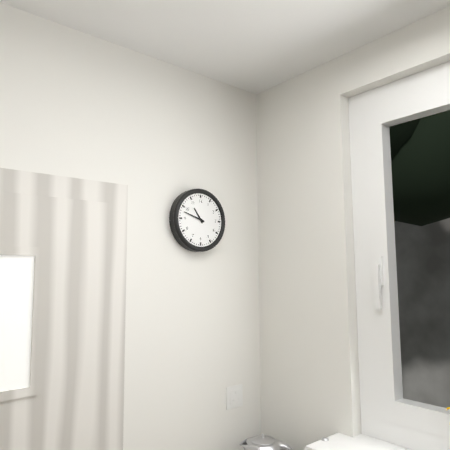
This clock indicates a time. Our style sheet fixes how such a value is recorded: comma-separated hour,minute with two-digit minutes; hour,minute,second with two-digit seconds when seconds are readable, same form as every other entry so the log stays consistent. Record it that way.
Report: 10,48
